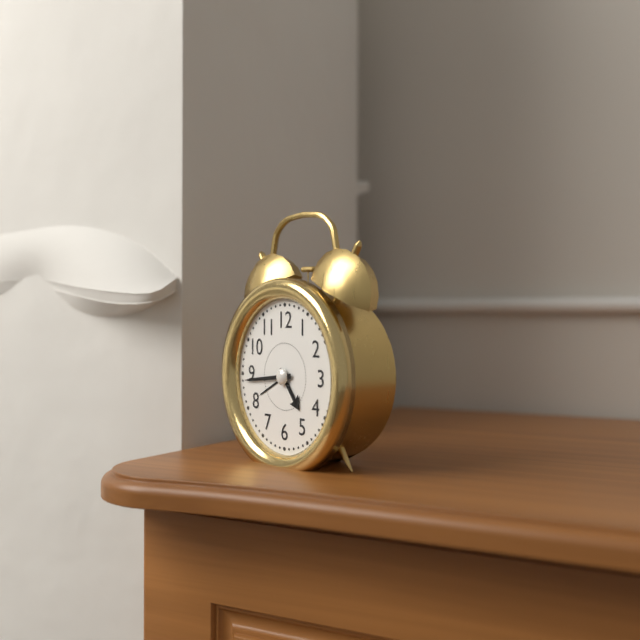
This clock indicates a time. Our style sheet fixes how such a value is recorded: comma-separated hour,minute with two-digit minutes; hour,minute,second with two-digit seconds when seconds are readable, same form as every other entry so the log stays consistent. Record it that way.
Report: 4,44
